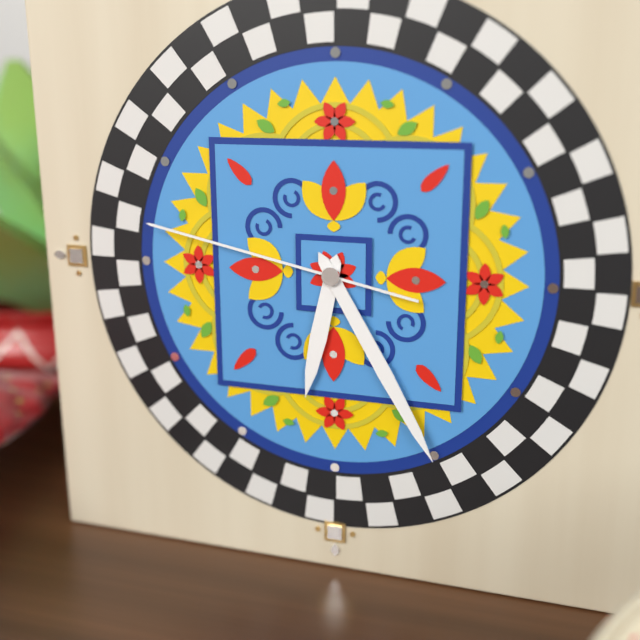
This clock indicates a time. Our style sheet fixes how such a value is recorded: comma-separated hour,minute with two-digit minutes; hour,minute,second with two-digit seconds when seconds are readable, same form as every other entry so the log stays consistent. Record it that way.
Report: 6,25,47
